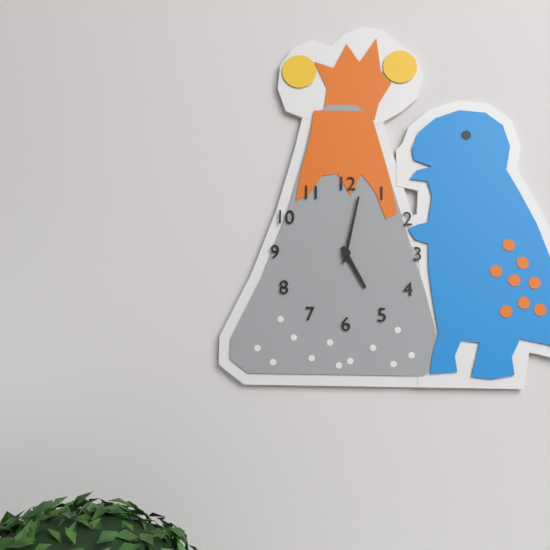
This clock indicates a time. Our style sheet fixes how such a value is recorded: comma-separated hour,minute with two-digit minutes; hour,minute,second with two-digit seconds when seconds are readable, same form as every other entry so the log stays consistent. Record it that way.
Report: 5,02
